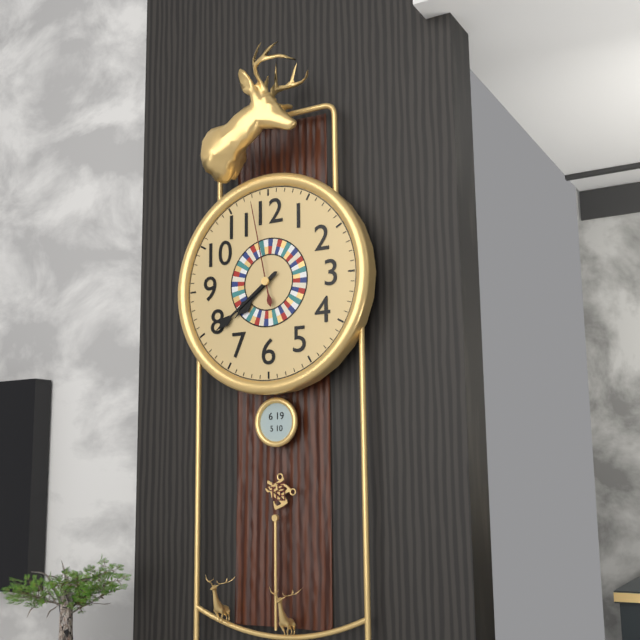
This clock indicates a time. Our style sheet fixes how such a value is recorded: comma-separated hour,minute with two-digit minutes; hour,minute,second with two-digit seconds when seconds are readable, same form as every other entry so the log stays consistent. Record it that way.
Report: 7,39,58
